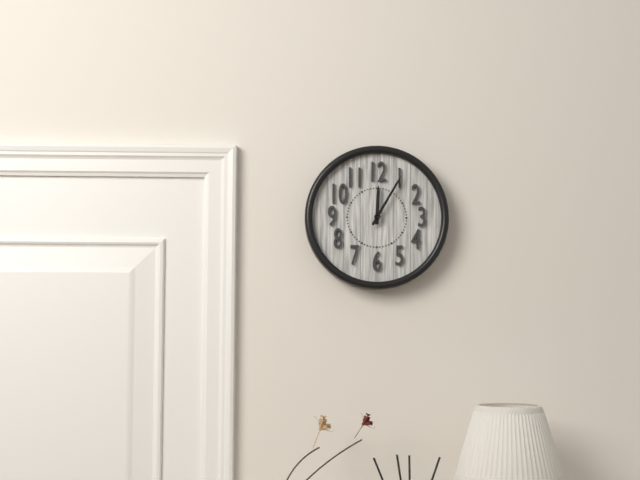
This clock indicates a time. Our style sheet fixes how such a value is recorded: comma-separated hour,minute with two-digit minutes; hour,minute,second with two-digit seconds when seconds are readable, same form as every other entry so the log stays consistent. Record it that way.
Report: 12,05
